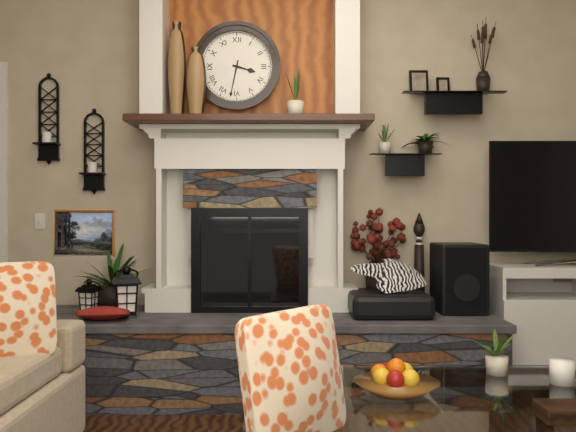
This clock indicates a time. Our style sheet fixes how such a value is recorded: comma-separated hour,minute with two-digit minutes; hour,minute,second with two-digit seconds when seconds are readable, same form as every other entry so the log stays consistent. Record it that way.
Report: 3,32
